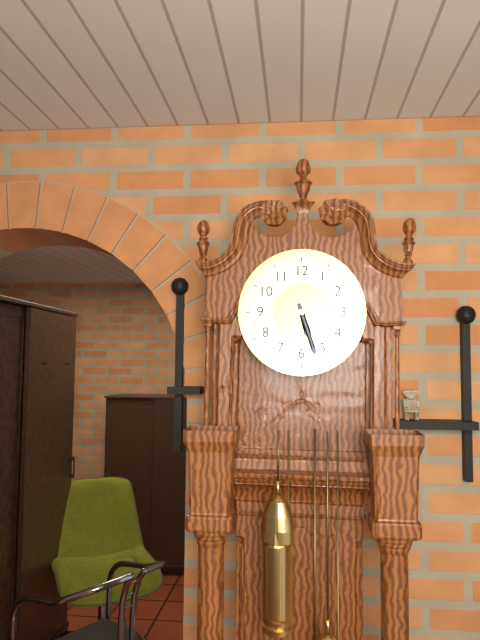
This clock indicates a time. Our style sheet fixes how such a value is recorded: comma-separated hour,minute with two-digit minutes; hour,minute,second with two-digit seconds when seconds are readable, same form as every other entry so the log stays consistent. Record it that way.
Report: 5,27
